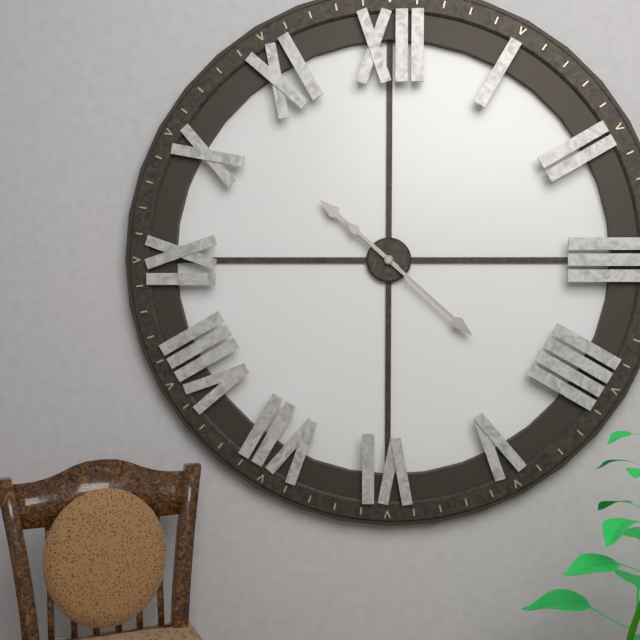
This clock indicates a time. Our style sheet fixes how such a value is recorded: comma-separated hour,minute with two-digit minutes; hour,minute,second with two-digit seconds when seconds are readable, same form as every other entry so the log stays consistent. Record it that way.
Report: 10,22
